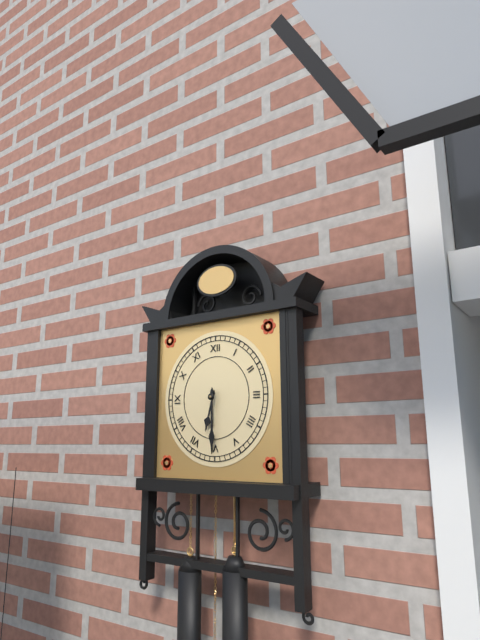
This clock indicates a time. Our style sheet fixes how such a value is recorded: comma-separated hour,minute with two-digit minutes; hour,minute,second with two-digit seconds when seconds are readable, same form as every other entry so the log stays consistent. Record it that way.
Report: 6,30
